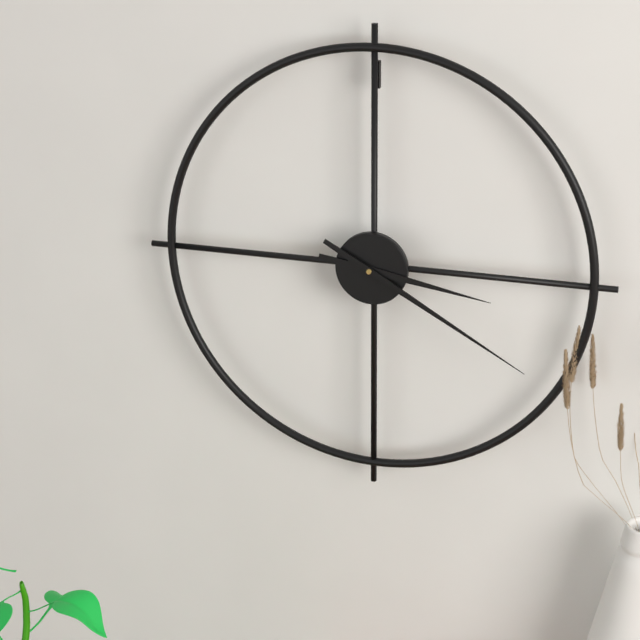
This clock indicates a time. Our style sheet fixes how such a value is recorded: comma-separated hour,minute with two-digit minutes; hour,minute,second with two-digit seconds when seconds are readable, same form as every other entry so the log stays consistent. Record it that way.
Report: 3,20
